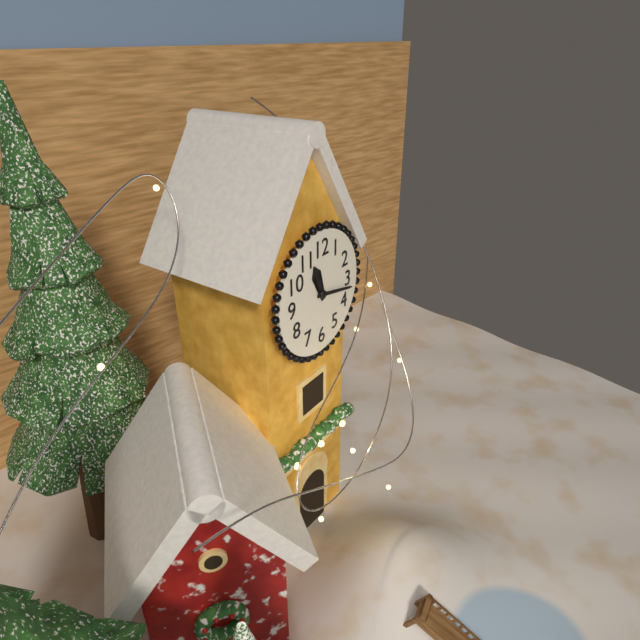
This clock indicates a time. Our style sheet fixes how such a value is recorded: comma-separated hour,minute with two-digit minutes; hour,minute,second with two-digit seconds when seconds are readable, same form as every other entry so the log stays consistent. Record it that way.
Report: 11,17
